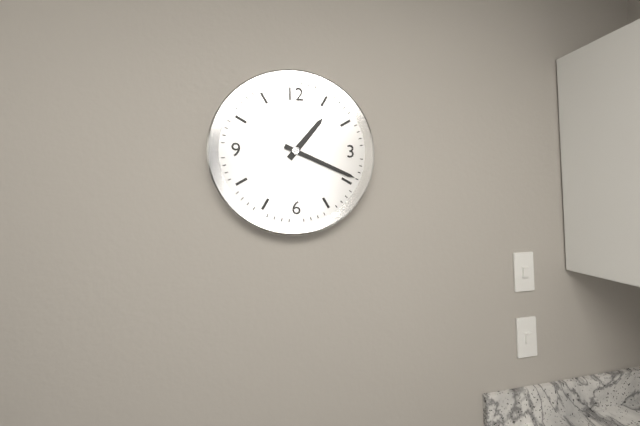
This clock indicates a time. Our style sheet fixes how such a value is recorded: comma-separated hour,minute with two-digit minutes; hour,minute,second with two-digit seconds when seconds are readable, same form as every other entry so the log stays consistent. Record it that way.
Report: 1,19
